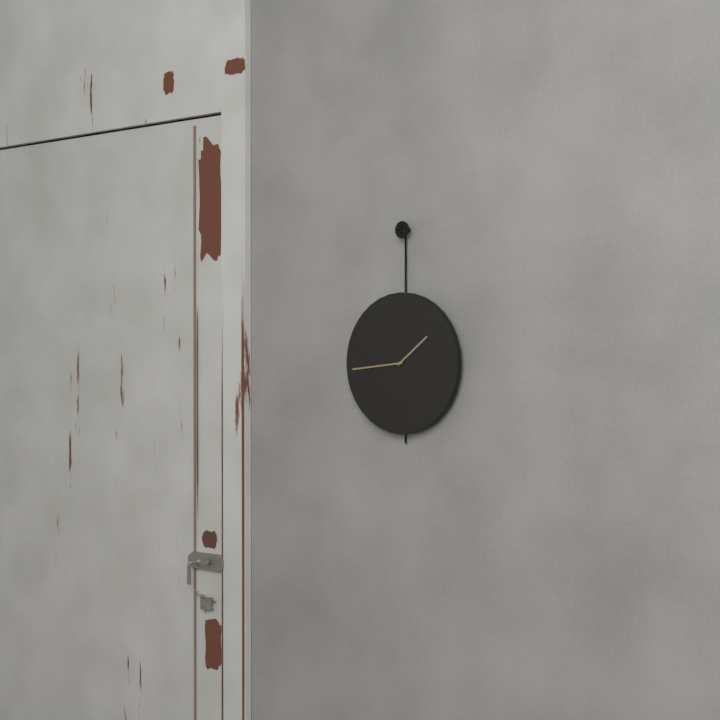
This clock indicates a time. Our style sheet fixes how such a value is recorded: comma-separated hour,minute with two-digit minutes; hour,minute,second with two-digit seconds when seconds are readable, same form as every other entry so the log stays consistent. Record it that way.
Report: 1,44
